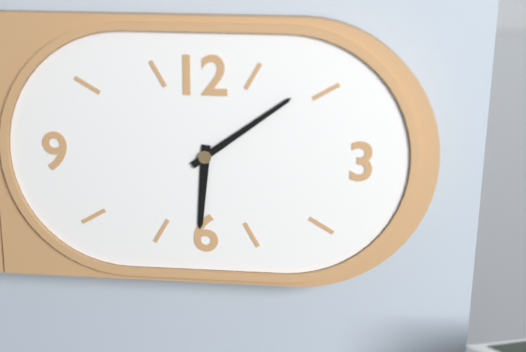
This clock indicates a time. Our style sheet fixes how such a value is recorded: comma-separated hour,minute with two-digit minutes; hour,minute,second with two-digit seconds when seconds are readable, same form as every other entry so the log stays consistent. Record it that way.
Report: 6,09
